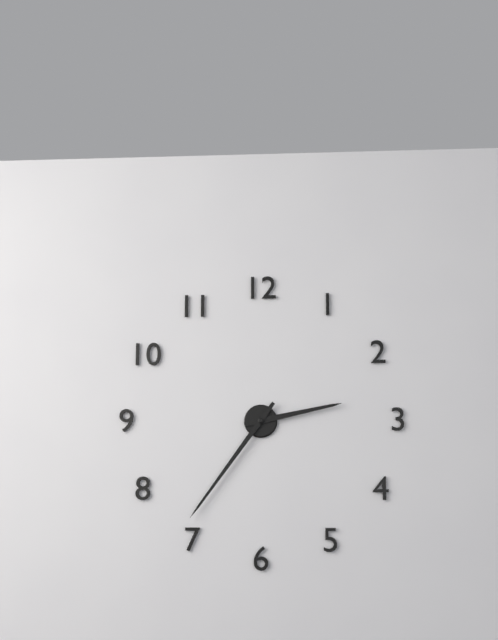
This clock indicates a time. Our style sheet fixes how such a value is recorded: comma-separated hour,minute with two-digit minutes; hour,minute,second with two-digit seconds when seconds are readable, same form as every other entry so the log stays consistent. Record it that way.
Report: 2,36
